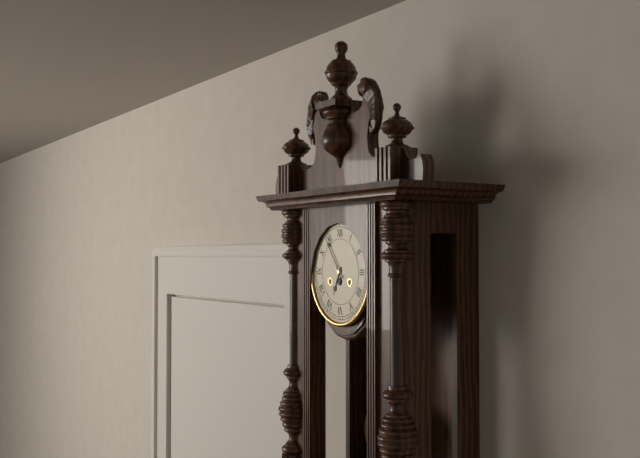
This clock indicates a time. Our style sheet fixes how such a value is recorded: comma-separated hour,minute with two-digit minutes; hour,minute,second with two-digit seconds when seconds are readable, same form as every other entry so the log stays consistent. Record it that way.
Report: 6,54
